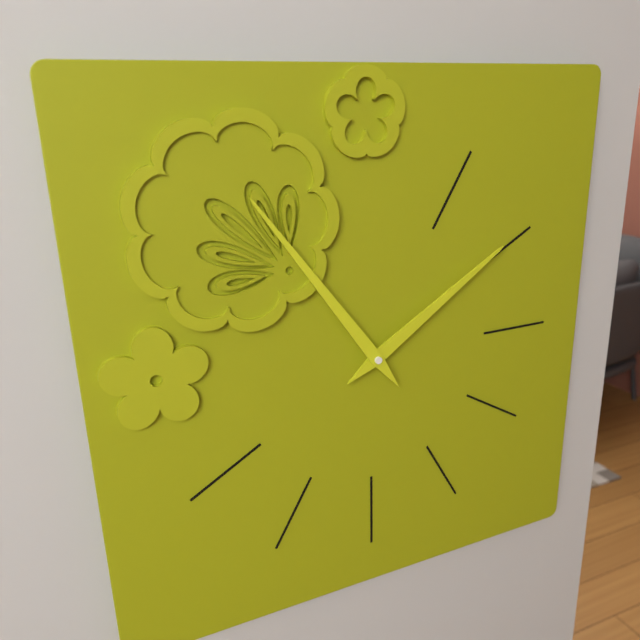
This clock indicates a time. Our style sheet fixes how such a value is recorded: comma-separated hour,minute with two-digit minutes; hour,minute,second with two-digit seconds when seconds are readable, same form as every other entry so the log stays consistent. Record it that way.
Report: 1,54
